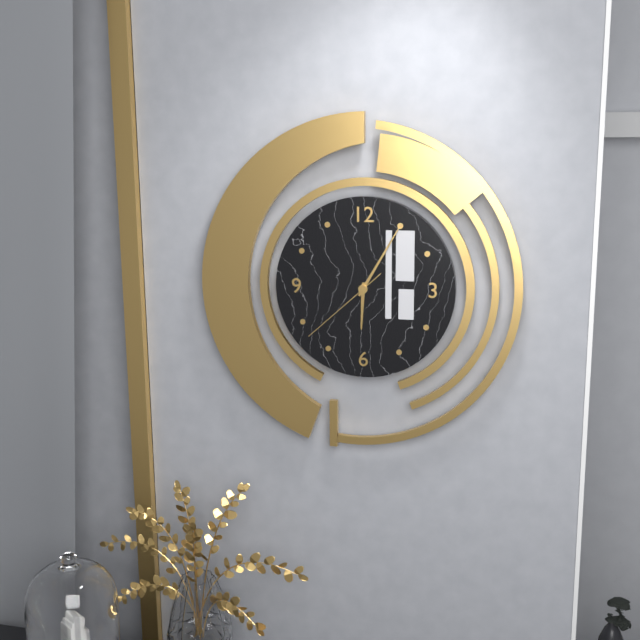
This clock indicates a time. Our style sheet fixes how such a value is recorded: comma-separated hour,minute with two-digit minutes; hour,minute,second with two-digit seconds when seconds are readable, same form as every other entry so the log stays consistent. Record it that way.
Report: 6,05,38
